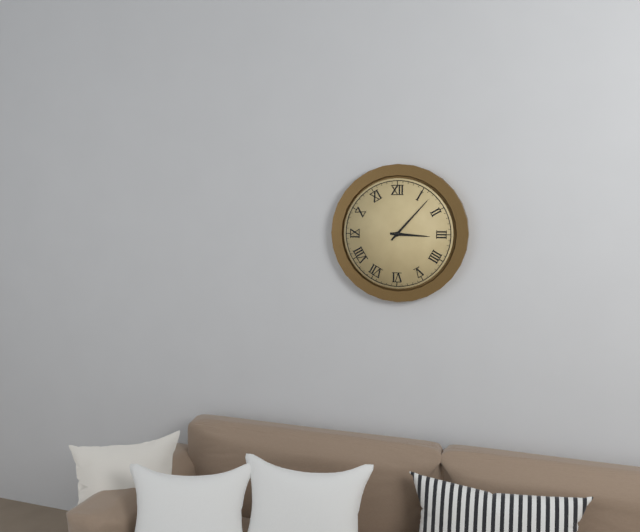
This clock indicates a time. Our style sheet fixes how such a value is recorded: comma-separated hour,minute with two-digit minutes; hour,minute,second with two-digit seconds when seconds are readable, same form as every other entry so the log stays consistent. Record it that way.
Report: 3,07
